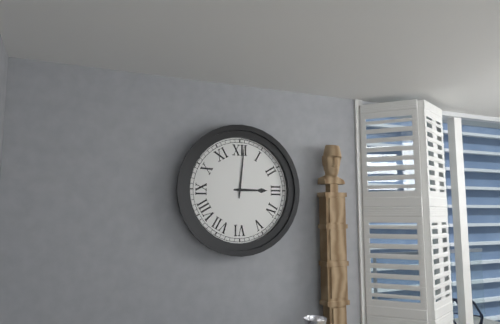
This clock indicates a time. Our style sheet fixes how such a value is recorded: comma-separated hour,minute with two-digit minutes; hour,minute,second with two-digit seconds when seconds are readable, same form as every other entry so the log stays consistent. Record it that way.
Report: 3,01
